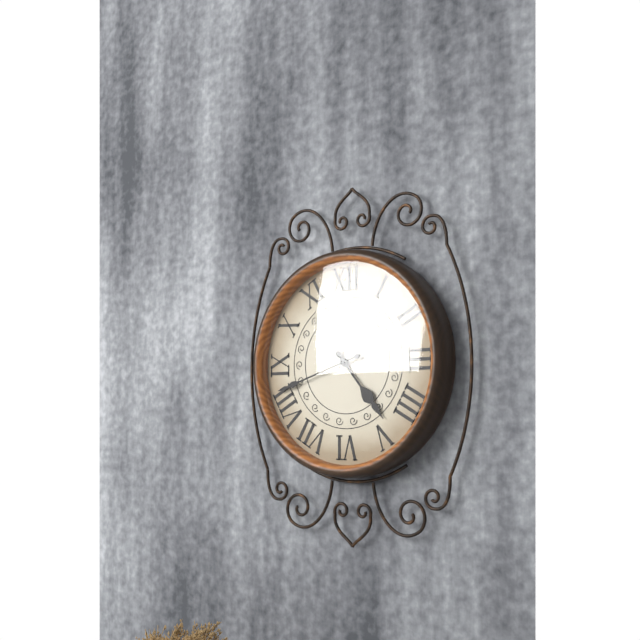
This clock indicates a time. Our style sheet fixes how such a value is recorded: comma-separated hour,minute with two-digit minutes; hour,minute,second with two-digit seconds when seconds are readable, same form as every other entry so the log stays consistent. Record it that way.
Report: 4,42
